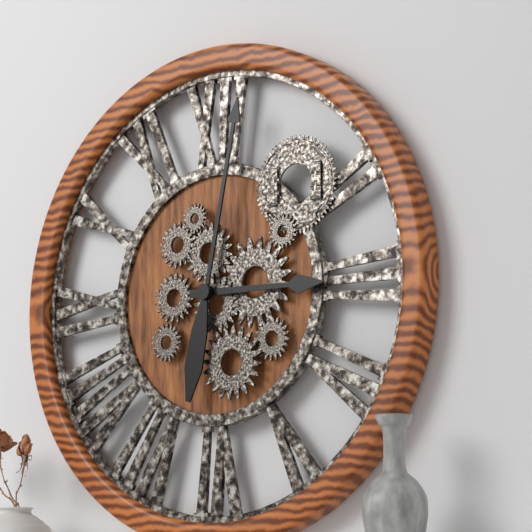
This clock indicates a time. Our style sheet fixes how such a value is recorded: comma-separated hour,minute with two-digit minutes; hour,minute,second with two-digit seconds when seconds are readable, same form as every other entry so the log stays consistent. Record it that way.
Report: 3,02
